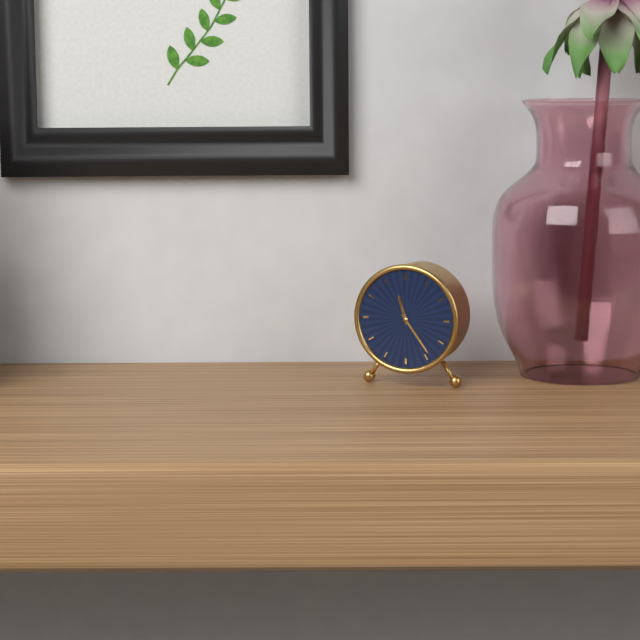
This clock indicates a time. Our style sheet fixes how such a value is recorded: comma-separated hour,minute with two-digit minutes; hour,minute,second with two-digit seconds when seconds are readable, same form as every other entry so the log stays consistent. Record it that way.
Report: 11,24
